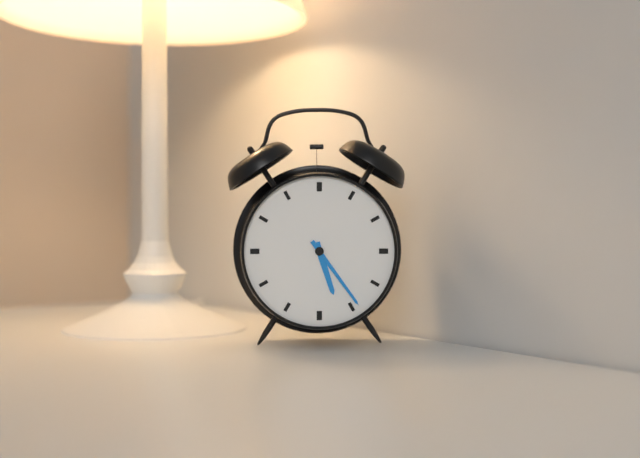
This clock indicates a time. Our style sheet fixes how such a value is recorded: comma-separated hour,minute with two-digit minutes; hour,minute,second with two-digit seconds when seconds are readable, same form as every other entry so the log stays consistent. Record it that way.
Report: 5,24
